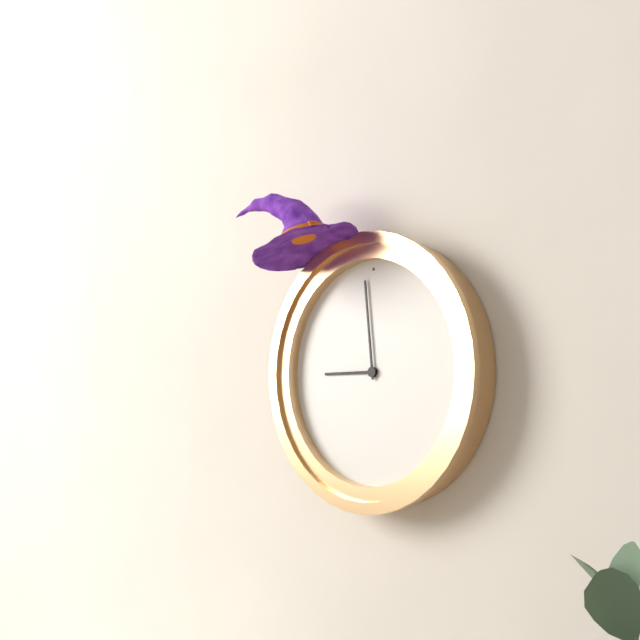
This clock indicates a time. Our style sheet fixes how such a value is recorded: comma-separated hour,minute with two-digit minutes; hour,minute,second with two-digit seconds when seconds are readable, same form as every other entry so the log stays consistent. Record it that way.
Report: 8,59
